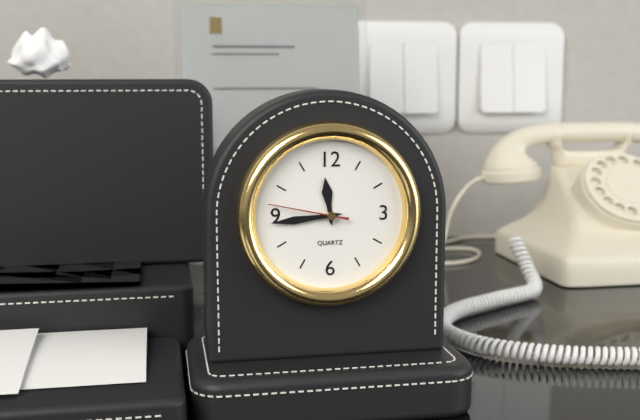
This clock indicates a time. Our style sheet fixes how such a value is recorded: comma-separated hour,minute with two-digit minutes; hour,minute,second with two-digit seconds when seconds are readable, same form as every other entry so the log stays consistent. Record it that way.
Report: 11,44,47
